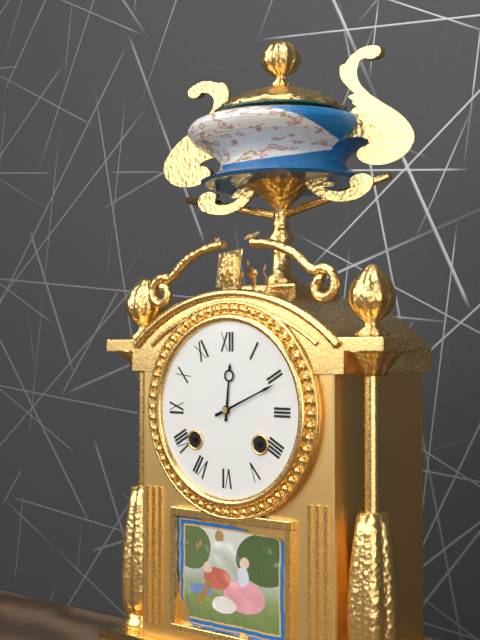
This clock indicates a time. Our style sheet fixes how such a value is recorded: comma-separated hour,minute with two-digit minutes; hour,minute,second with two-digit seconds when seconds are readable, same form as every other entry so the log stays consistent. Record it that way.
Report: 12,11
